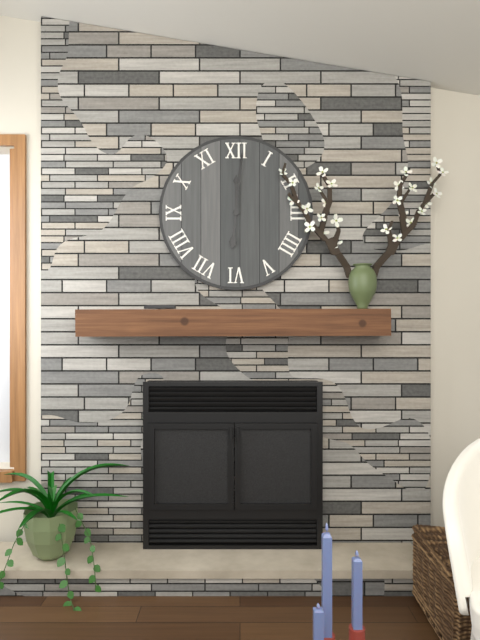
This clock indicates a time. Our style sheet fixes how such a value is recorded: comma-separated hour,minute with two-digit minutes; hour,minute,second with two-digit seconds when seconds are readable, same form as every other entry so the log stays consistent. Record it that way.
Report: 12,01
